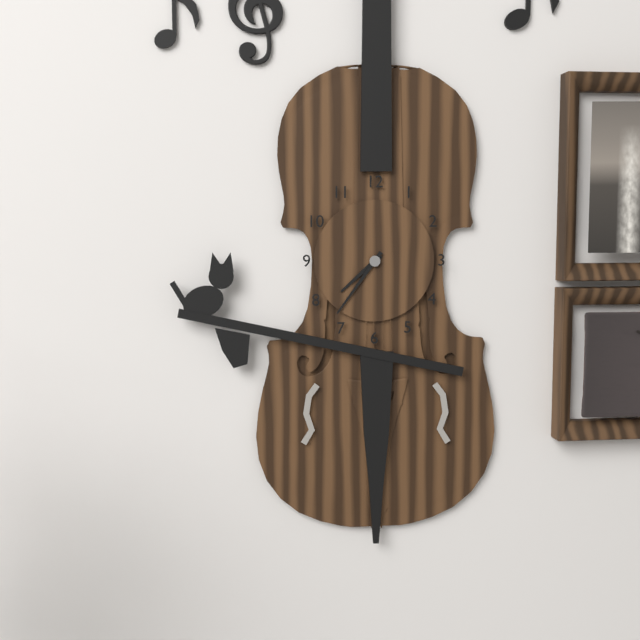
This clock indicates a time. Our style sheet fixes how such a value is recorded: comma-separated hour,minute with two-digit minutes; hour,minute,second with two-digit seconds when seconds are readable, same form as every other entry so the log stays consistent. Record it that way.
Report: 7,36
